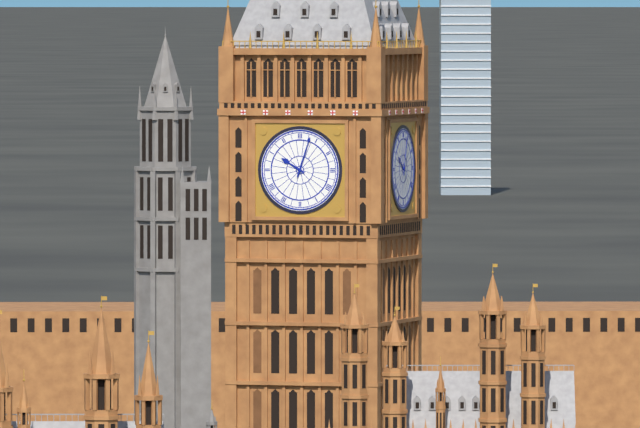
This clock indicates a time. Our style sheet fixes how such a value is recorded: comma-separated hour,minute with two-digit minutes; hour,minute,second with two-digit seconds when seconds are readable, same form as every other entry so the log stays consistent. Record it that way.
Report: 10,03
